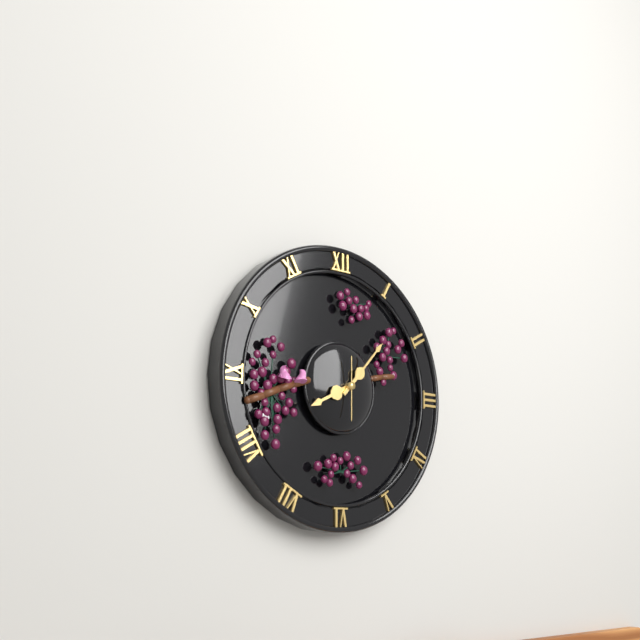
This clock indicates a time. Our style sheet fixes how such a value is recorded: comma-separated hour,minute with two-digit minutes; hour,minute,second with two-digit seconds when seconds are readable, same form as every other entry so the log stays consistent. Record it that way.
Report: 8,07
